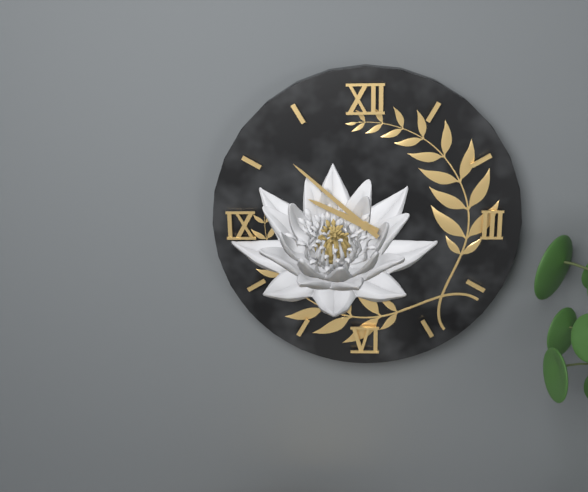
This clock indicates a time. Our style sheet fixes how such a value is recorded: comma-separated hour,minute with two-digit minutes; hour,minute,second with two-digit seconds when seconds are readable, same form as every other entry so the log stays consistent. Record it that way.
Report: 9,52
